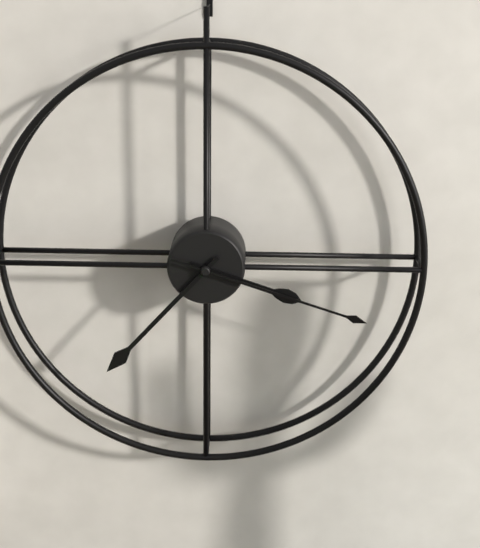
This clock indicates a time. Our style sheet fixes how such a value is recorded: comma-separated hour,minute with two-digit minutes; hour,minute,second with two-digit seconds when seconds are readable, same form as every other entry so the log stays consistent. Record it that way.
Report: 3,37,18
